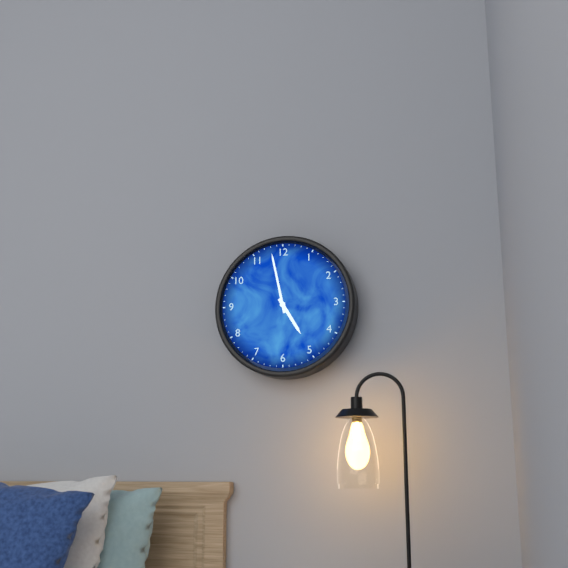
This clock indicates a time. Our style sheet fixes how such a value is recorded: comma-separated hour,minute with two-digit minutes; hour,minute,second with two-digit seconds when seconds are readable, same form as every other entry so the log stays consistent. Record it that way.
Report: 4,58
